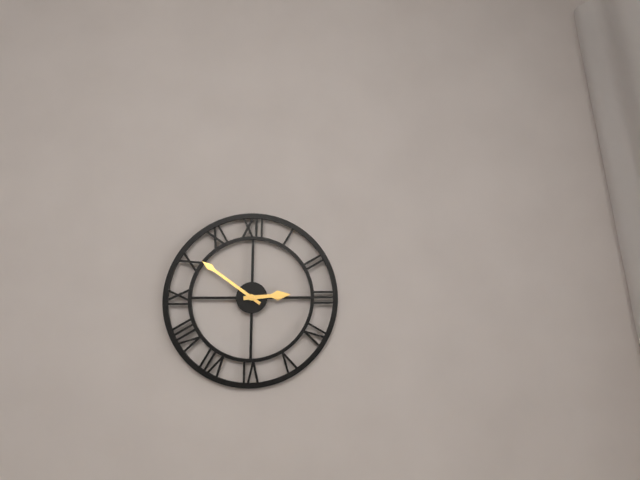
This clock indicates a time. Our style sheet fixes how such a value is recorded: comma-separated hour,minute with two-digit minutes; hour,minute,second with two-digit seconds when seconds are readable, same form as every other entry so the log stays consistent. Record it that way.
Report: 2,51
